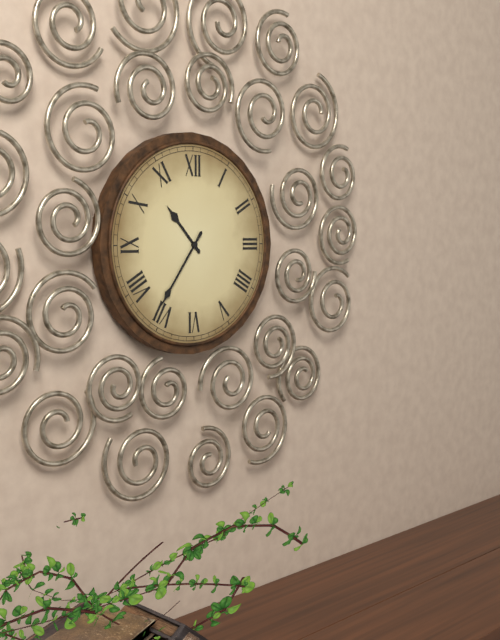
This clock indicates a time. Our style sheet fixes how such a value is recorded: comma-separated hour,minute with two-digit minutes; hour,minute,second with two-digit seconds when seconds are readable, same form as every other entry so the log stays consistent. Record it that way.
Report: 10,36
